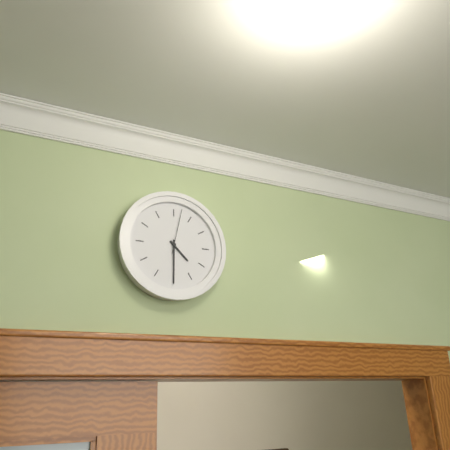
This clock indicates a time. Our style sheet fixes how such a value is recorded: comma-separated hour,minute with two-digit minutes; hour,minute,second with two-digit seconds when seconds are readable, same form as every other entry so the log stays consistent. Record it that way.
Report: 4,30
